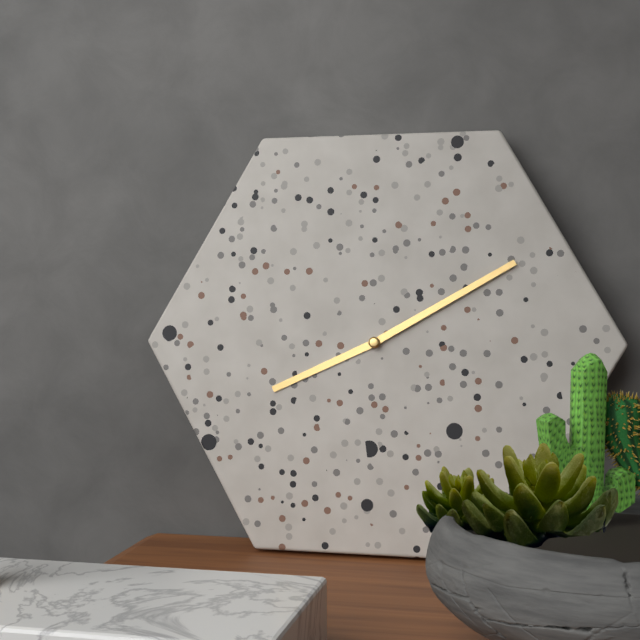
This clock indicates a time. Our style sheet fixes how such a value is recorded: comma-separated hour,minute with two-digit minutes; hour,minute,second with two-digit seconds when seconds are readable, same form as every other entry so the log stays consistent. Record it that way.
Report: 8,10
